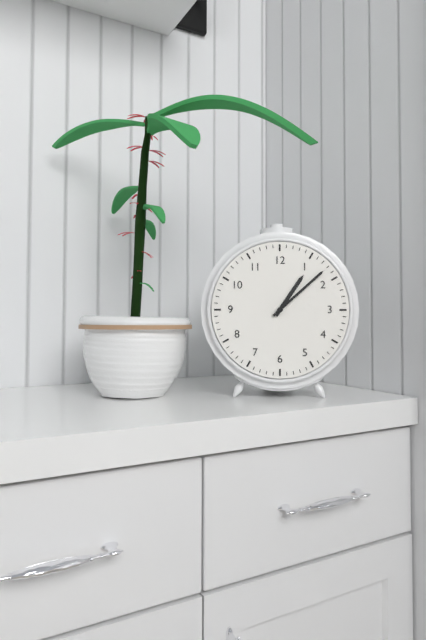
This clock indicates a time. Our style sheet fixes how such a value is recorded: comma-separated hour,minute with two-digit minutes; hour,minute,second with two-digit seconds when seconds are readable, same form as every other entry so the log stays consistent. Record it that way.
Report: 1,08
